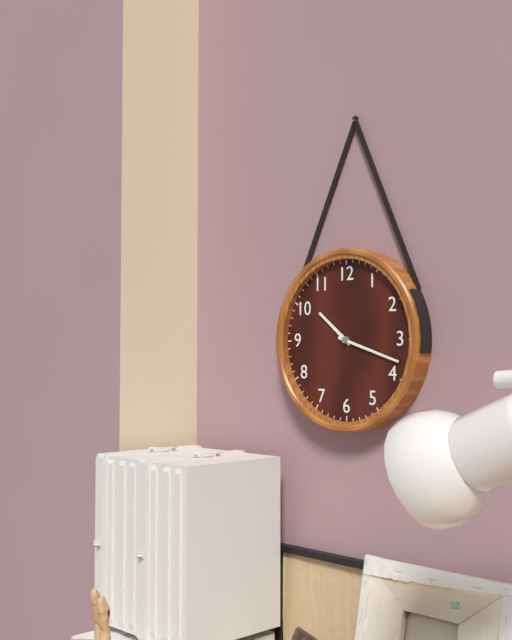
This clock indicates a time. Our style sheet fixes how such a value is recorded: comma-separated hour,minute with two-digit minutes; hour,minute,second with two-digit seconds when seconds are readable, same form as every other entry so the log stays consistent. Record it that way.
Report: 10,18
